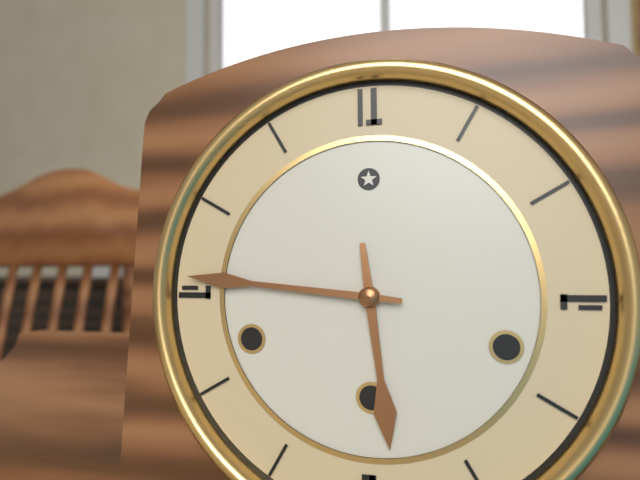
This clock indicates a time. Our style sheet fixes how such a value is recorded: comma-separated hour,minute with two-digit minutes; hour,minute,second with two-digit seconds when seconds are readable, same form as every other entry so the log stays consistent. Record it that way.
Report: 5,46
